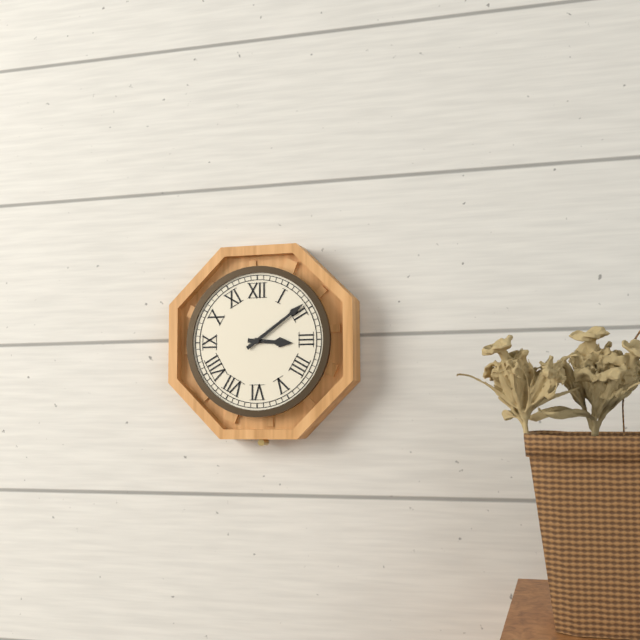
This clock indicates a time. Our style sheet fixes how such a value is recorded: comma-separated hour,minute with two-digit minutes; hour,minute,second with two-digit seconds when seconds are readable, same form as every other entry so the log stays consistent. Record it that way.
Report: 3,09
